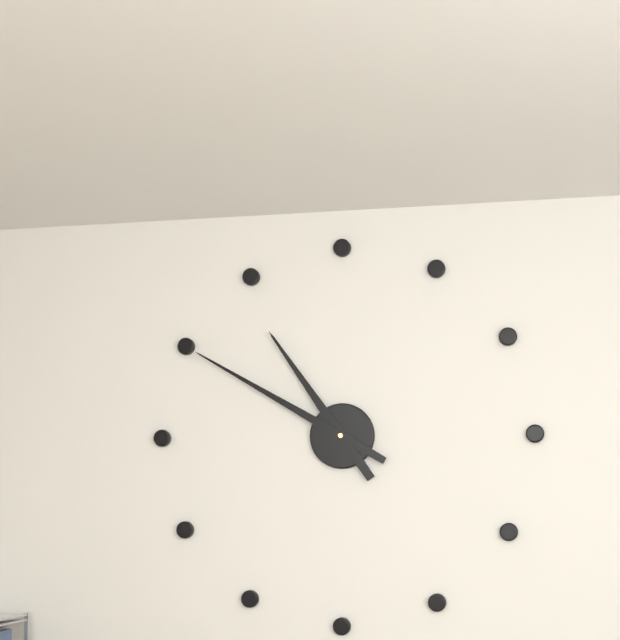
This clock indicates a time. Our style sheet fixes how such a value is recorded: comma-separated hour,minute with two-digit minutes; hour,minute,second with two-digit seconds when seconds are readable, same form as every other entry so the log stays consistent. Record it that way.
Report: 10,50
